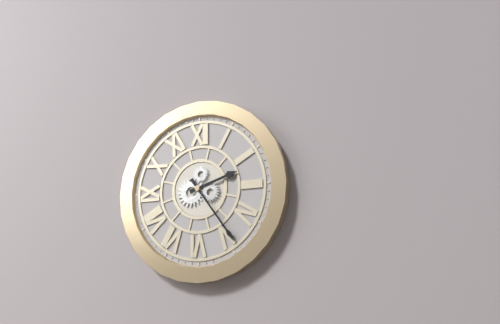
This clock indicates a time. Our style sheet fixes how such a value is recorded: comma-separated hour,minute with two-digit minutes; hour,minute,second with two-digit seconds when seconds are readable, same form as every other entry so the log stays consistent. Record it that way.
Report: 2,24
